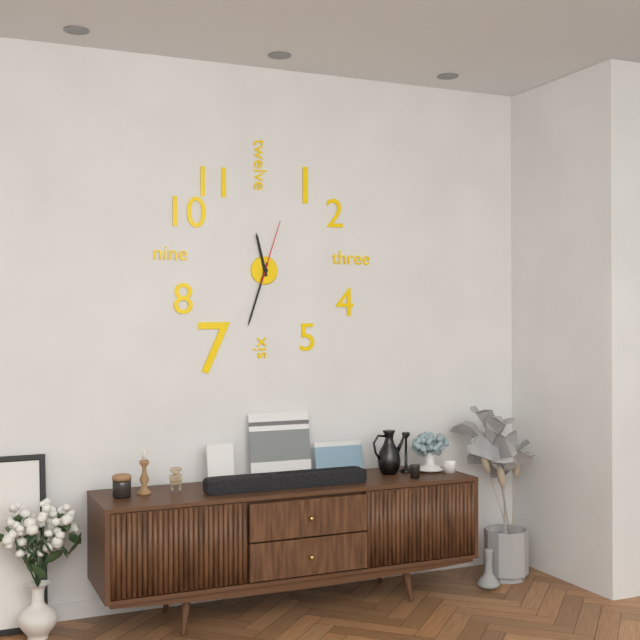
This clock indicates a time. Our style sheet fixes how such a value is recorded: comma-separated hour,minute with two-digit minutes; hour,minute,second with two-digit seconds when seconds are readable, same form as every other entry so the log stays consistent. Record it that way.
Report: 11,33,03
